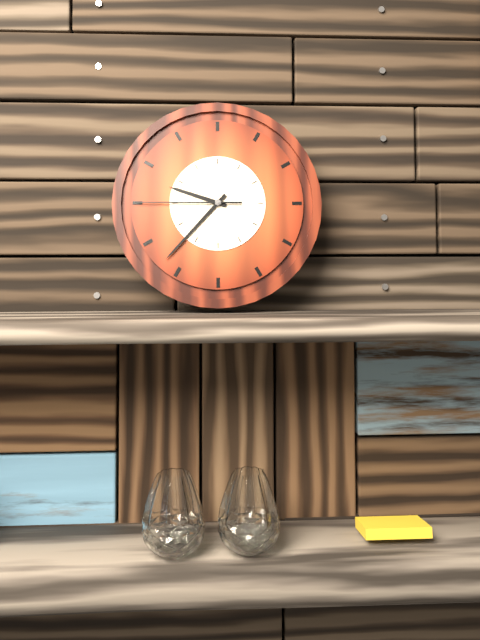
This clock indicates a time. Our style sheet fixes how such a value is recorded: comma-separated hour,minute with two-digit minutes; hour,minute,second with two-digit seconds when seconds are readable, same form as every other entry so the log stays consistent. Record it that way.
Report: 9,37,45
